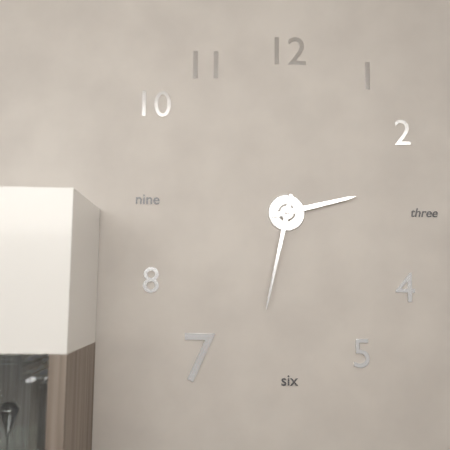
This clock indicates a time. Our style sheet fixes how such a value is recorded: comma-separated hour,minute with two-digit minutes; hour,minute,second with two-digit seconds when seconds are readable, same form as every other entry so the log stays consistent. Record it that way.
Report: 2,32
